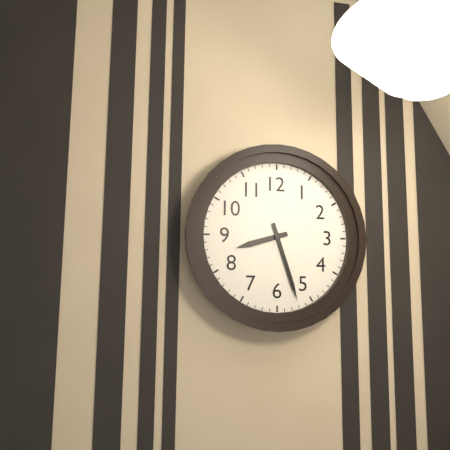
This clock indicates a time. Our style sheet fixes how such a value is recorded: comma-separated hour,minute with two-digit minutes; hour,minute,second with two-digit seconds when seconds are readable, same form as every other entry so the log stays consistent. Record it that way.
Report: 8,27
